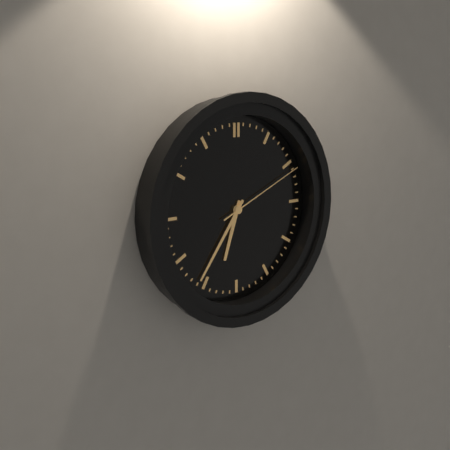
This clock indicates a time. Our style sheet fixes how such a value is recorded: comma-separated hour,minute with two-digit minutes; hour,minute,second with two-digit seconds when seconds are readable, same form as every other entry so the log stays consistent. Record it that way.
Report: 6,36,11
